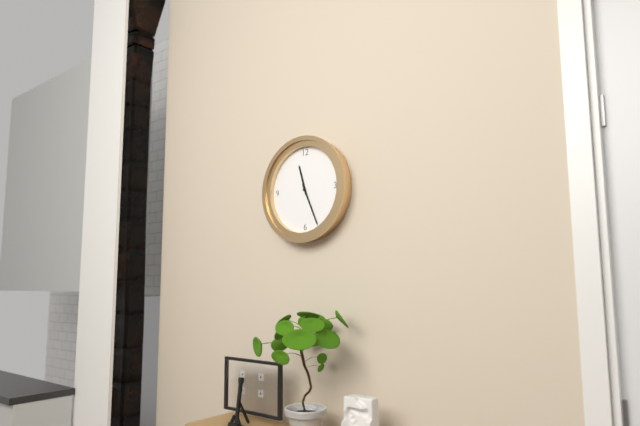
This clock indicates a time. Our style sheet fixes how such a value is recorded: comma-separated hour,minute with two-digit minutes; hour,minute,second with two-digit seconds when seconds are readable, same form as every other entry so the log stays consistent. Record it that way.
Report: 11,26
